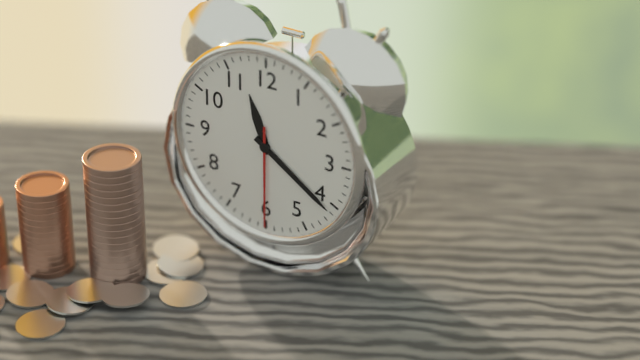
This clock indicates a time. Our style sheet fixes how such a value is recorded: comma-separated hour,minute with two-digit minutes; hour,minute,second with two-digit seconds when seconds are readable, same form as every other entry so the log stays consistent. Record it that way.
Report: 11,21,30
